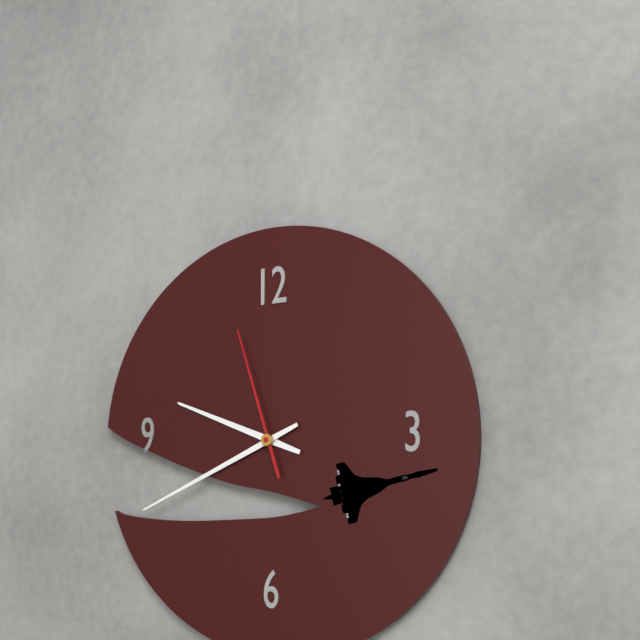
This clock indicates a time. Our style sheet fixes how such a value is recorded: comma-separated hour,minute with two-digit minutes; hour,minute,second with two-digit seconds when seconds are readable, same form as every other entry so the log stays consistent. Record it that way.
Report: 9,41,57
